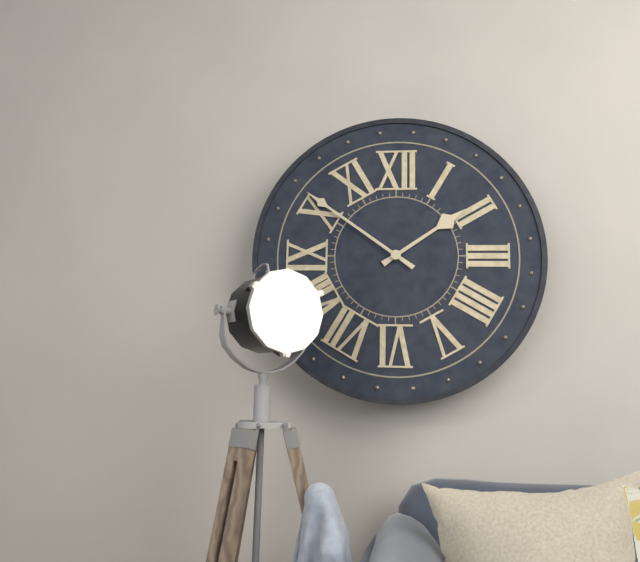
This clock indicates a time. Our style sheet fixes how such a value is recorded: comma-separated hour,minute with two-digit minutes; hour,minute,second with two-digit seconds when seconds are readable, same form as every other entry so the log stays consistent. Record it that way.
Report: 1,51
